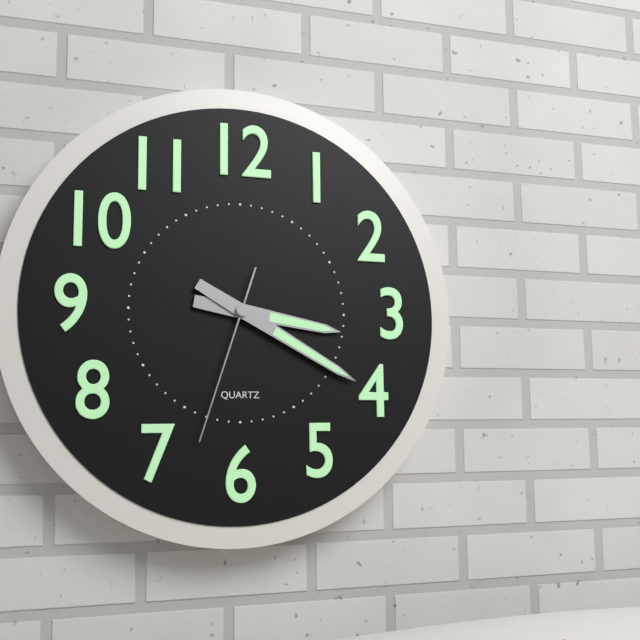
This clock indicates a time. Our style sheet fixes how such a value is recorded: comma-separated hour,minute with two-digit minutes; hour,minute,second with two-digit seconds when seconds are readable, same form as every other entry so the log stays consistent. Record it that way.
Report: 3,20,33
